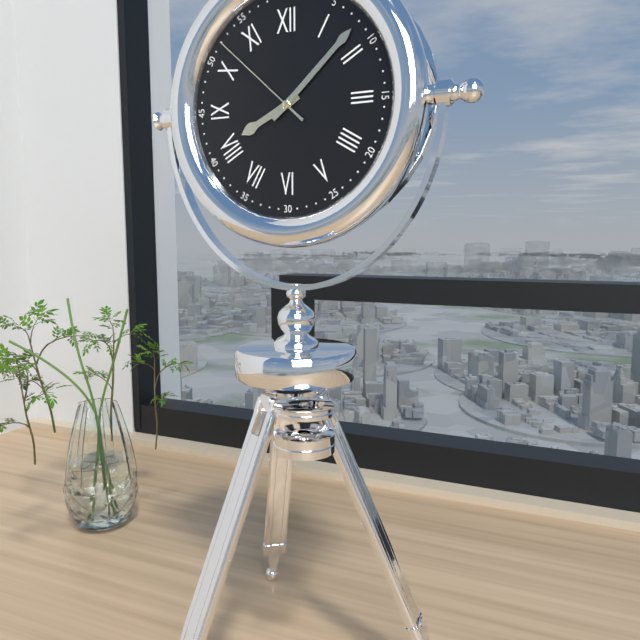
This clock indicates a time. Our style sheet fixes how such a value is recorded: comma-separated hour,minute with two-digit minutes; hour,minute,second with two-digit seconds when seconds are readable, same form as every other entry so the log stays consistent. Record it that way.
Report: 8,08,52
